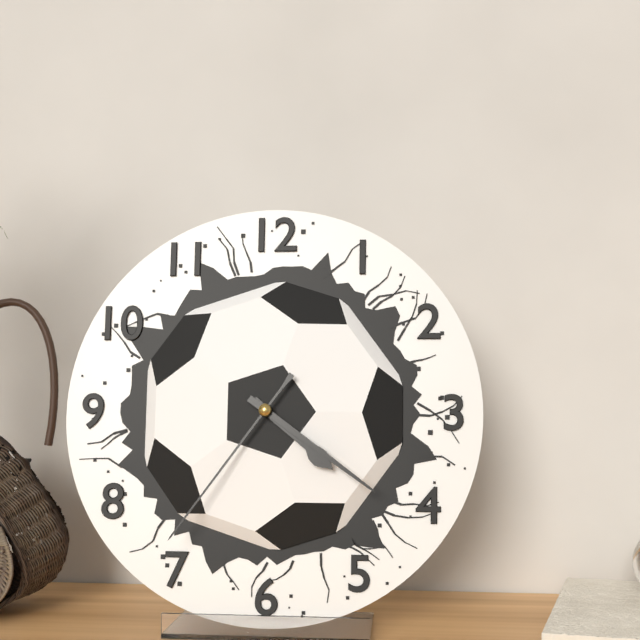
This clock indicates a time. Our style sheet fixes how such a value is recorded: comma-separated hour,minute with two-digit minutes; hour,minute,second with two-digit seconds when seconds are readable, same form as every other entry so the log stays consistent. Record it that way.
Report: 4,21,36
